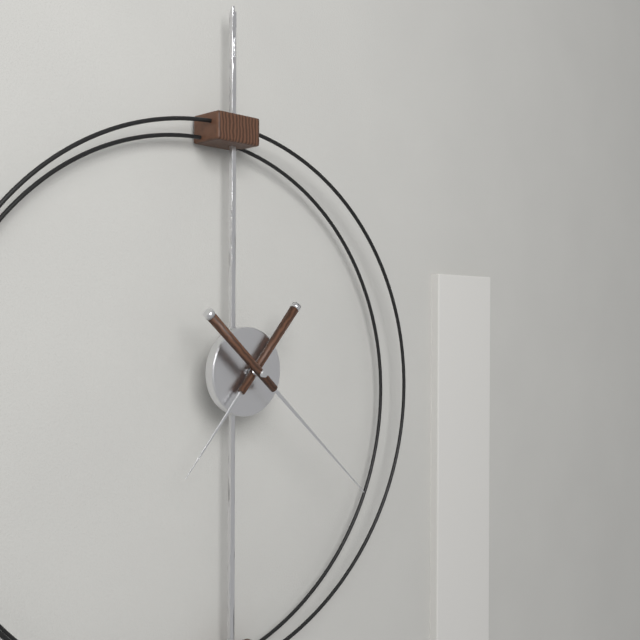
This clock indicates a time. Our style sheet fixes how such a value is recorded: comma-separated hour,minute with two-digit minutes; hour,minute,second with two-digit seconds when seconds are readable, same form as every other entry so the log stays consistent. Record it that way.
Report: 7,22
